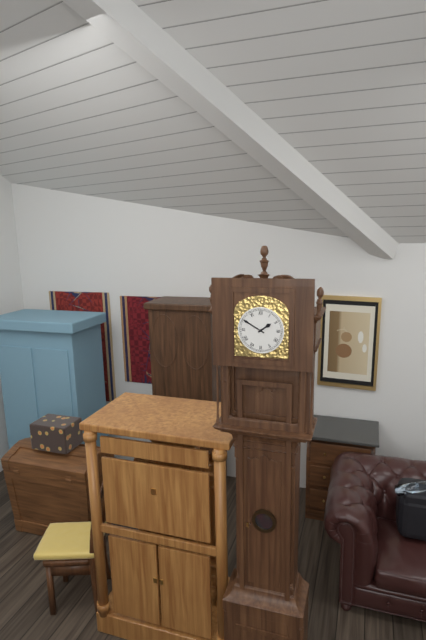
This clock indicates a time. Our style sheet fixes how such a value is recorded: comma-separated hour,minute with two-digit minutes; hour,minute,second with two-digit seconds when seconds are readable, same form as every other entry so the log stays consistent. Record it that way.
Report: 1,50
